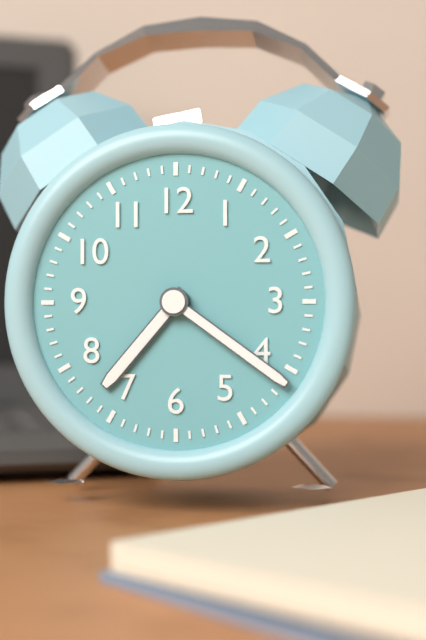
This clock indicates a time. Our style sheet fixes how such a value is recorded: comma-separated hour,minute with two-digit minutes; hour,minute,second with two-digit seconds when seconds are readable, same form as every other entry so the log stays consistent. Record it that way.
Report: 7,21
